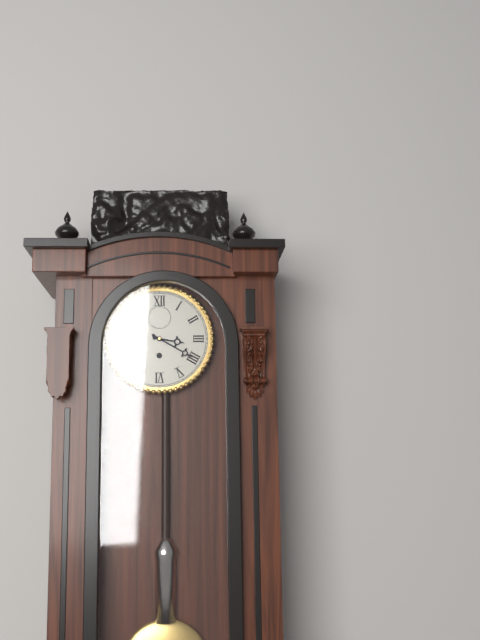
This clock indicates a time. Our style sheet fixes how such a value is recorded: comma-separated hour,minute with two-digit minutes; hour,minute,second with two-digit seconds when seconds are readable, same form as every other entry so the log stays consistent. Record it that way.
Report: 3,20
